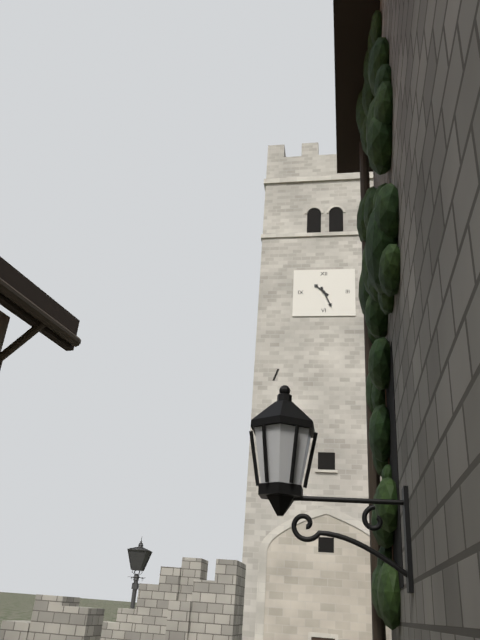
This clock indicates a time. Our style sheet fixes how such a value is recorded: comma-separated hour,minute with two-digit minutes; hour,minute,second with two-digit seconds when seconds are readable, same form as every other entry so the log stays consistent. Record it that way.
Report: 10,26
